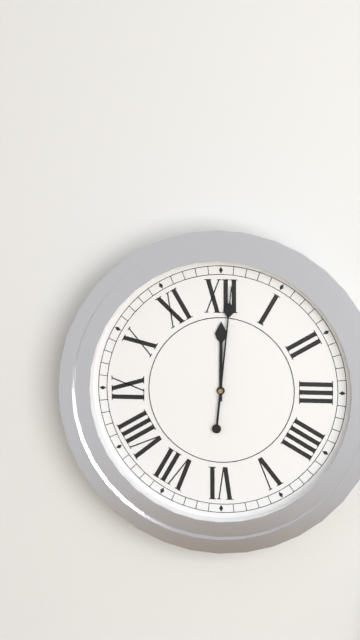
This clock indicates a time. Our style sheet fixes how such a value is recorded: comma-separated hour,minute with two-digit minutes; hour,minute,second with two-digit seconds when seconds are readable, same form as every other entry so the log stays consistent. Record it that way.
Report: 12,01
